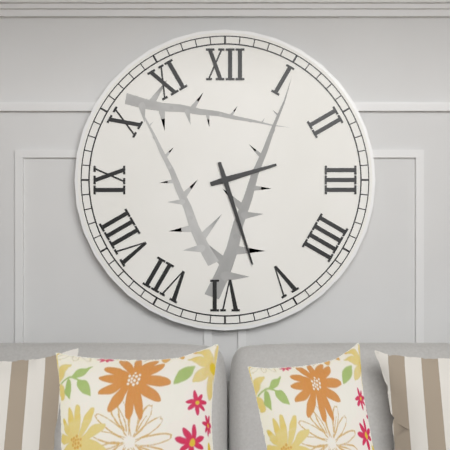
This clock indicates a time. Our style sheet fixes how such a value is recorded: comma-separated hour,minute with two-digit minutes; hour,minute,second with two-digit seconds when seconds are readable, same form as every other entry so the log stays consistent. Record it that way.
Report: 2,27
